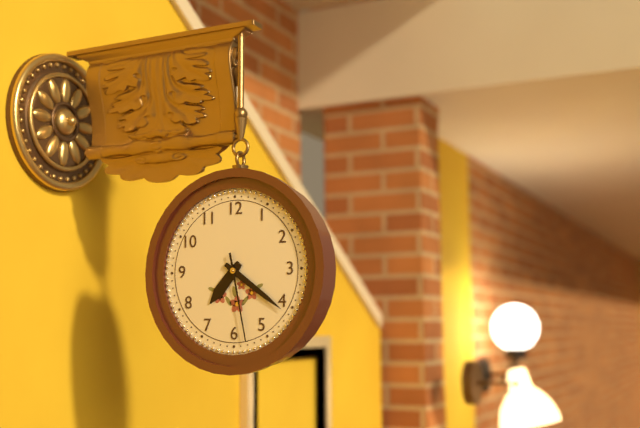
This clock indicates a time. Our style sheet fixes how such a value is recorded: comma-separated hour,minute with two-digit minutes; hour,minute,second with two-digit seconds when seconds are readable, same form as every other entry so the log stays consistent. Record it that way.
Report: 7,21,28
